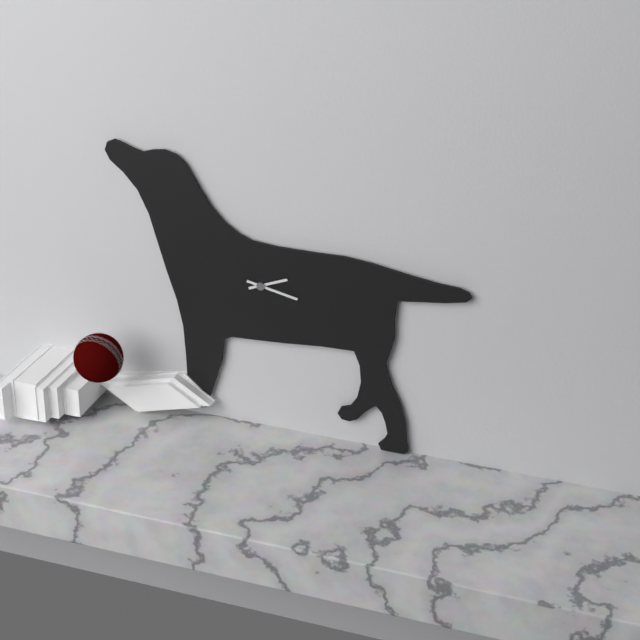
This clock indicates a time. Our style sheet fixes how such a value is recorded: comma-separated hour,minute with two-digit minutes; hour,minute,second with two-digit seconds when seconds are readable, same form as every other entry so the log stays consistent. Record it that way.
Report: 2,17
